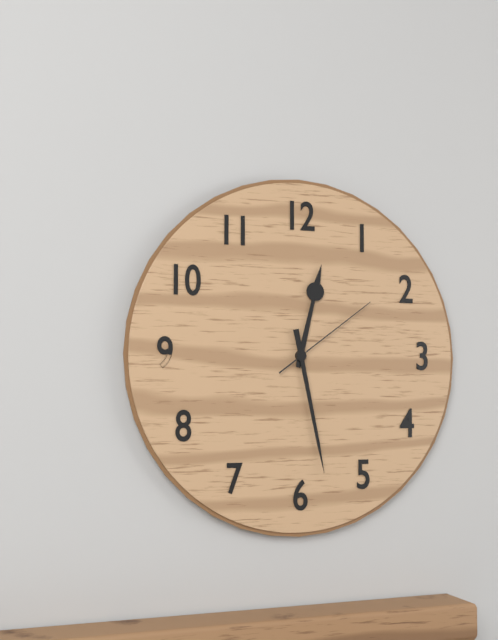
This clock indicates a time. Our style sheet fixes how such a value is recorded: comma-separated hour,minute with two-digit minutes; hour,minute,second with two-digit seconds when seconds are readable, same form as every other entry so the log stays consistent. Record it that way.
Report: 12,28,09
